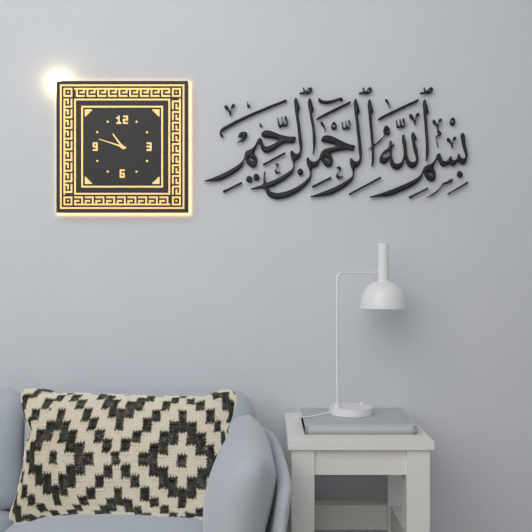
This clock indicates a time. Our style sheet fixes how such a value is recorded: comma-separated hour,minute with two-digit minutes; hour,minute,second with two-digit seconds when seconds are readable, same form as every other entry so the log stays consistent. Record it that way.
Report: 10,48
